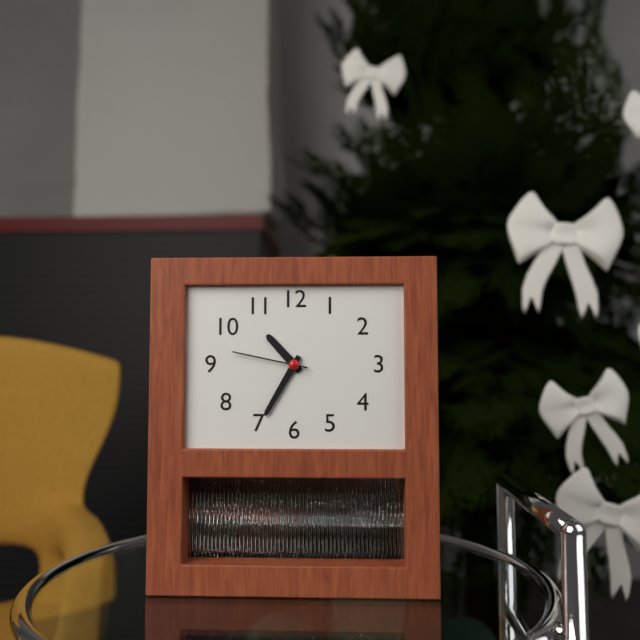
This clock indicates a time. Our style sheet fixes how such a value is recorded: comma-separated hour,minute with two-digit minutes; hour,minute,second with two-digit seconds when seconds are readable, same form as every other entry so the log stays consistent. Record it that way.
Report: 10,35,47
